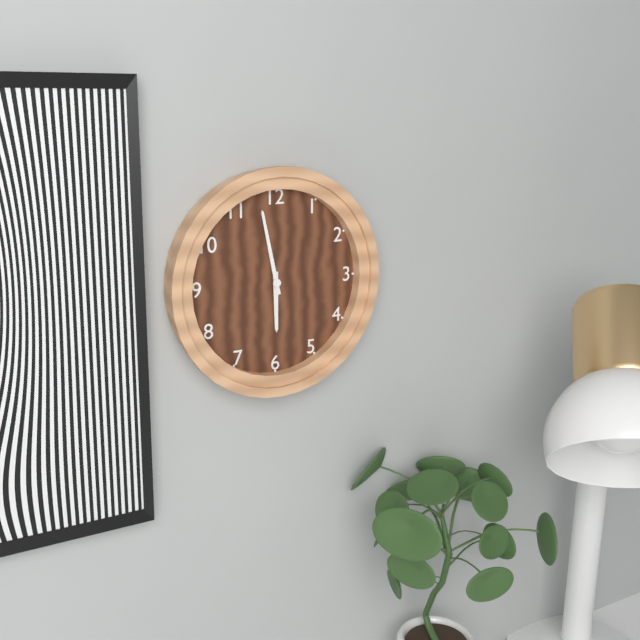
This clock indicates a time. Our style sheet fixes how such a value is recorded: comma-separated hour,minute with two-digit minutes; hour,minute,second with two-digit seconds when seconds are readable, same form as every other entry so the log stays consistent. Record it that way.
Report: 5,58
